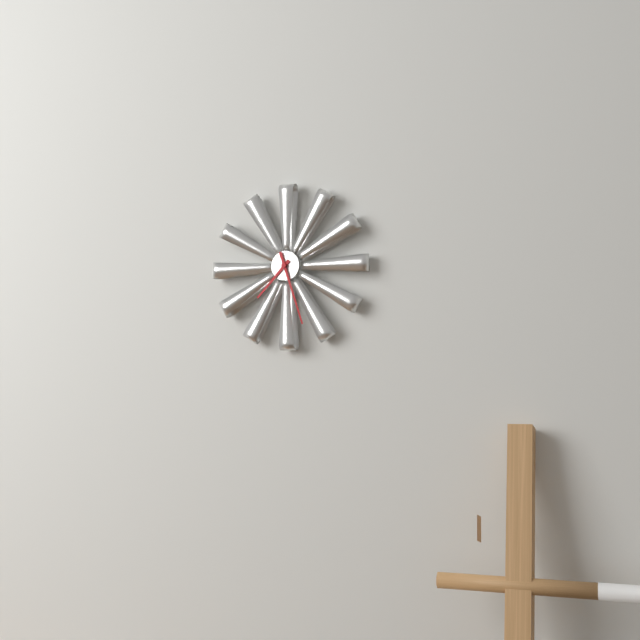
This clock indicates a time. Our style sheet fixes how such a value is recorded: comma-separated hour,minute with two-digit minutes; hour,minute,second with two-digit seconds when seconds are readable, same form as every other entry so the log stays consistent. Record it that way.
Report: 7,27
